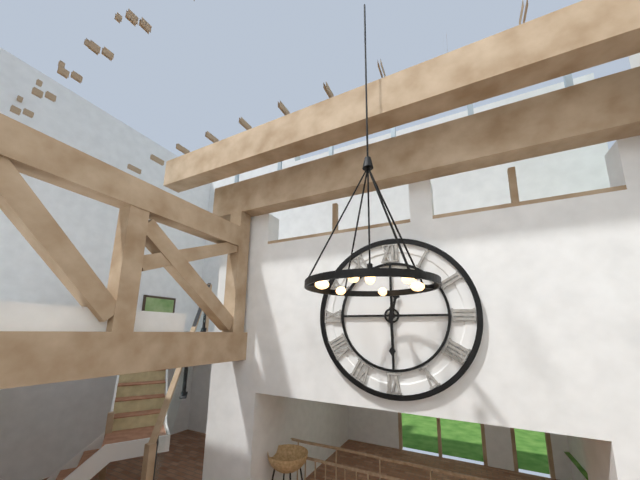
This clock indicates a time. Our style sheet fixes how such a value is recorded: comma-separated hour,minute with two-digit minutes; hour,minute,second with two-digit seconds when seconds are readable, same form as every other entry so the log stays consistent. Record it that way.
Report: 12,30
